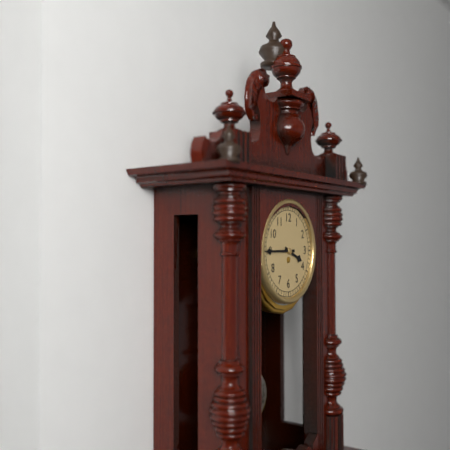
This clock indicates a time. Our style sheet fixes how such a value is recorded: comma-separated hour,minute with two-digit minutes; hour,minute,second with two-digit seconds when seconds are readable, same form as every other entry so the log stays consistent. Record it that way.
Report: 3,45
